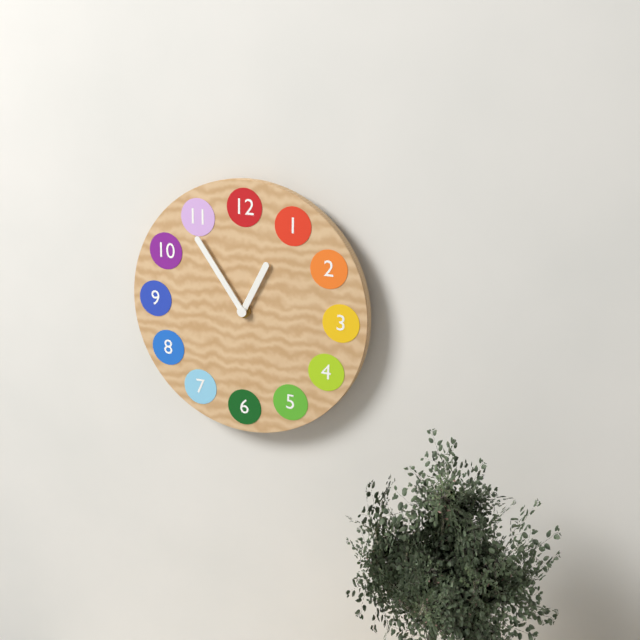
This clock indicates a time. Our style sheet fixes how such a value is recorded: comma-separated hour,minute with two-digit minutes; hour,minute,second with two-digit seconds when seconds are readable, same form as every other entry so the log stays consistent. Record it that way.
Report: 12,54
